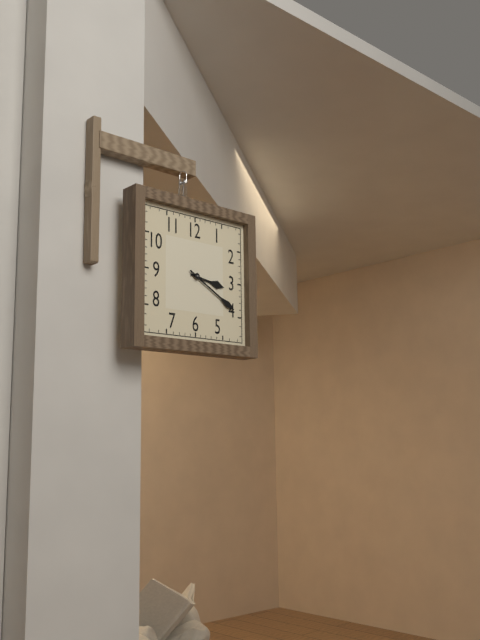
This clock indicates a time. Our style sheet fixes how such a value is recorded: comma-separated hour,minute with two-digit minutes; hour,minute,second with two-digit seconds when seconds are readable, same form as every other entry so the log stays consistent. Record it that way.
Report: 3,20
